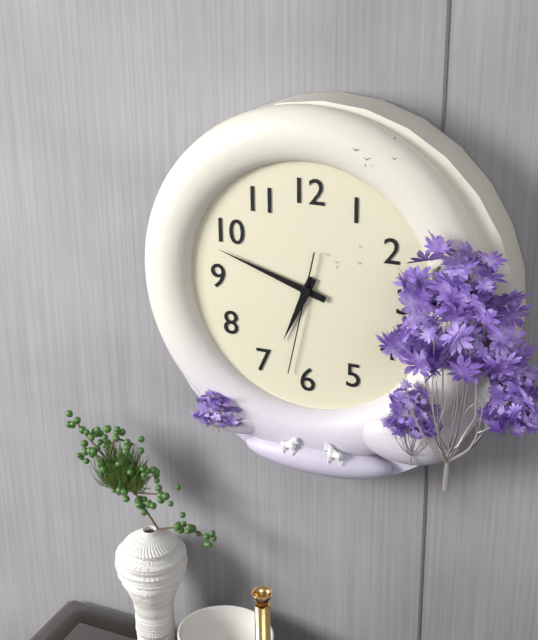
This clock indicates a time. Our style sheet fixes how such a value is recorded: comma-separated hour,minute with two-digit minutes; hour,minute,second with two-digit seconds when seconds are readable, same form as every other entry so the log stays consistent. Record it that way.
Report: 6,48,32
